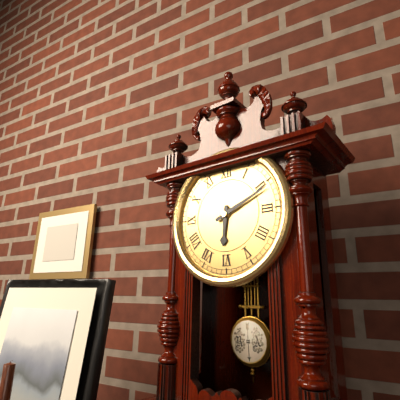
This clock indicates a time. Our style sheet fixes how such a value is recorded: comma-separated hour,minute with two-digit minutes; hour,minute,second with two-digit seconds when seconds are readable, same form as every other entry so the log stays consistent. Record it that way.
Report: 6,11
